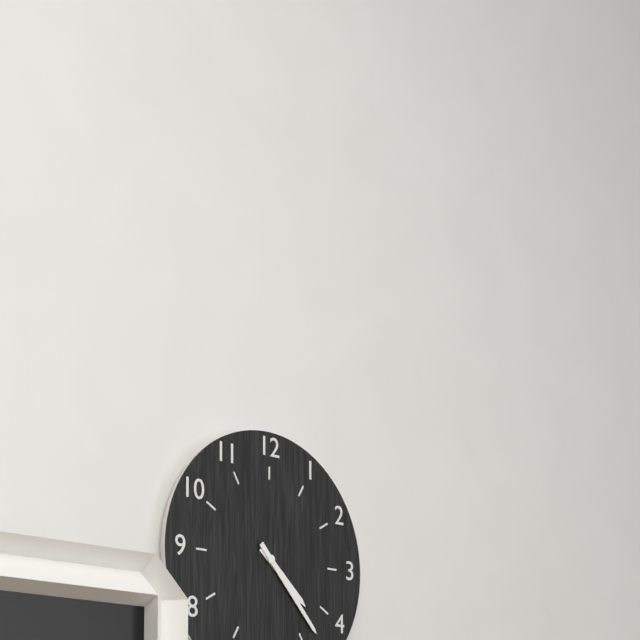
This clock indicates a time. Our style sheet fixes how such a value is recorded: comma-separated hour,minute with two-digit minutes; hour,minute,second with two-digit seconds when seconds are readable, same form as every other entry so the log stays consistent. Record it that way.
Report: 4,23
